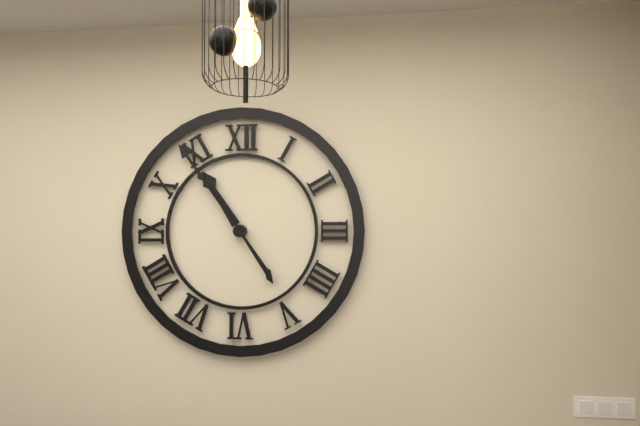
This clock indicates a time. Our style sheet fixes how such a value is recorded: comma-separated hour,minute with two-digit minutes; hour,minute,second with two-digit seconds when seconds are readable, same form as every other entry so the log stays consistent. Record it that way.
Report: 10,54
